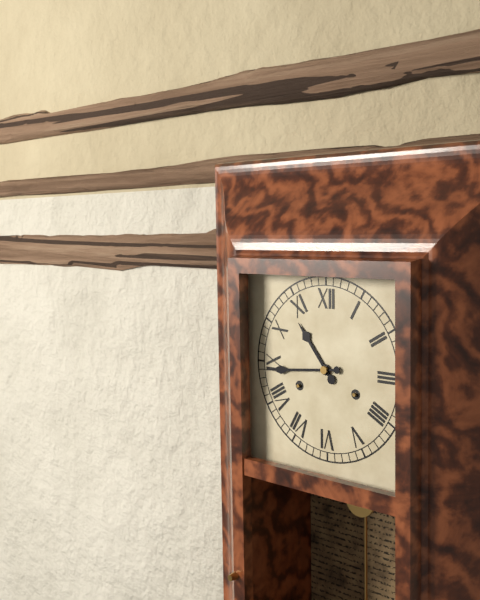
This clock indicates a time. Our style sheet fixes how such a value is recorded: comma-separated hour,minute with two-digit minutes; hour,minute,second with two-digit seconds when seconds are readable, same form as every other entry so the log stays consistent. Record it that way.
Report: 10,44
